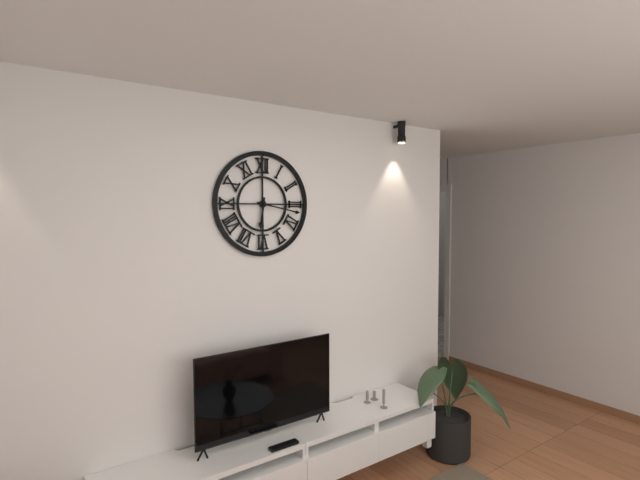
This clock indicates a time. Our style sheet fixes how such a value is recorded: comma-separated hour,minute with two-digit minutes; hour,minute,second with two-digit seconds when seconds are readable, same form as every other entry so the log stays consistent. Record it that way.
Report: 6,17
